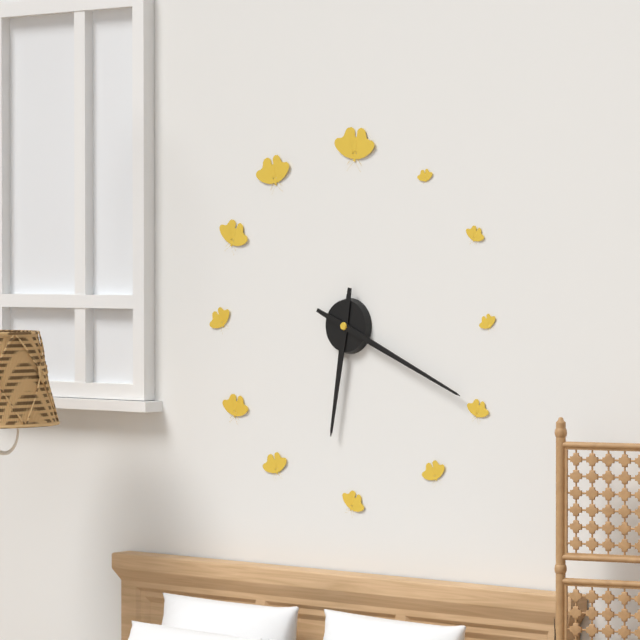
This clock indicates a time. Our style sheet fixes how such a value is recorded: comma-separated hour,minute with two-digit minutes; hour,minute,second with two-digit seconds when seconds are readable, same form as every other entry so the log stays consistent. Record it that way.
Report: 6,19
